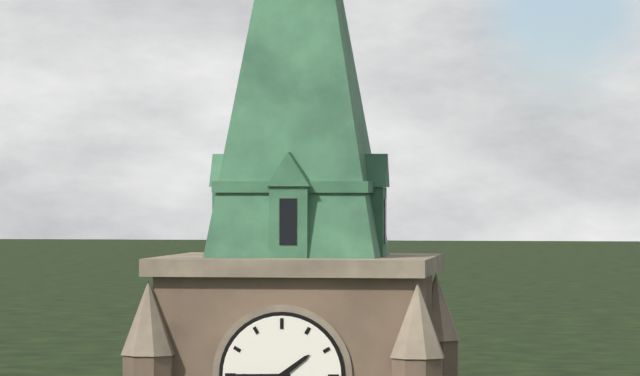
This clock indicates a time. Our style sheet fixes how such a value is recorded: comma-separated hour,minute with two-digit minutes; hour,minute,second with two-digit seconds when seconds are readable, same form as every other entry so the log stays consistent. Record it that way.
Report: 1,45
